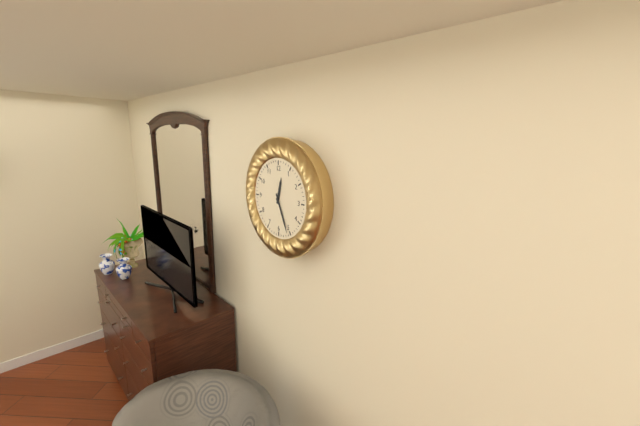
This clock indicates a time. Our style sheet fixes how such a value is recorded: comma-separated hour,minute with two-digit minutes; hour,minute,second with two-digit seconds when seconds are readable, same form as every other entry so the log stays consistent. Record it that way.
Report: 12,26
